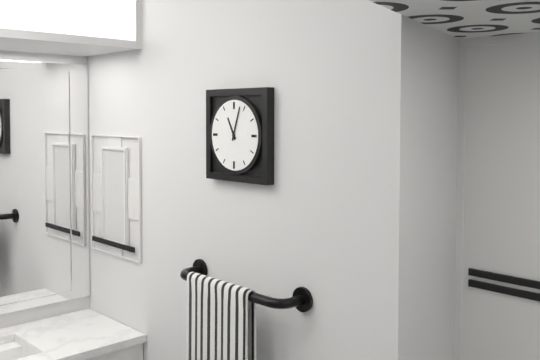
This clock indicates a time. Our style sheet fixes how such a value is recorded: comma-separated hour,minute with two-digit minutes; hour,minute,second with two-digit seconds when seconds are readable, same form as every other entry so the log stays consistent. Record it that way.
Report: 11,03
